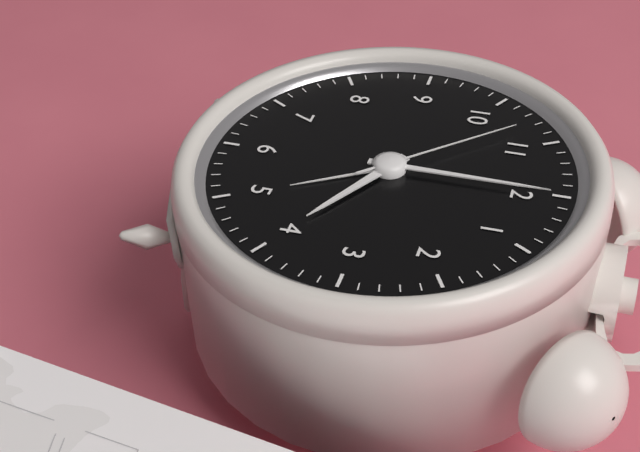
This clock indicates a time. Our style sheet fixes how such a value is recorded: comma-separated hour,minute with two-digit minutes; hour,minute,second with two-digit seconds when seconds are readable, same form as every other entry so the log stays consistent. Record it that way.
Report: 4,00,53
